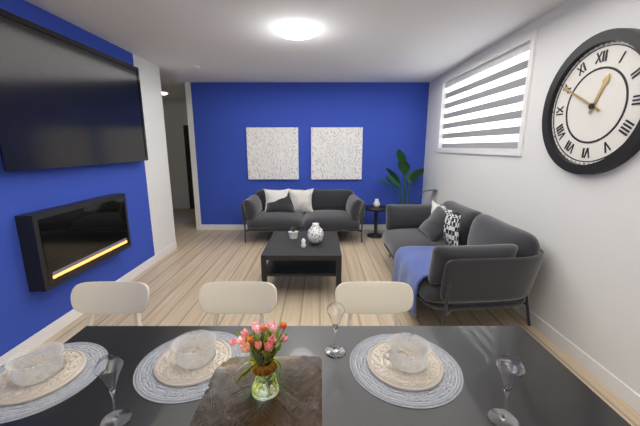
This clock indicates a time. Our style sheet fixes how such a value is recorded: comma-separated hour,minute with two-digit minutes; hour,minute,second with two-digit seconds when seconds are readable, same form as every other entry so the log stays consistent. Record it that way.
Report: 12,50
